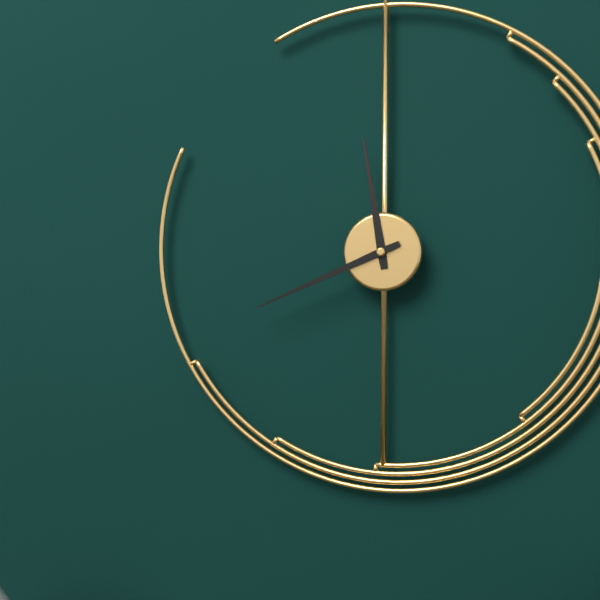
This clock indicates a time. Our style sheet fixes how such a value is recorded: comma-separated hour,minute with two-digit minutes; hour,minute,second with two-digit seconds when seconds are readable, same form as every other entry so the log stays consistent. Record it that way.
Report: 11,41
